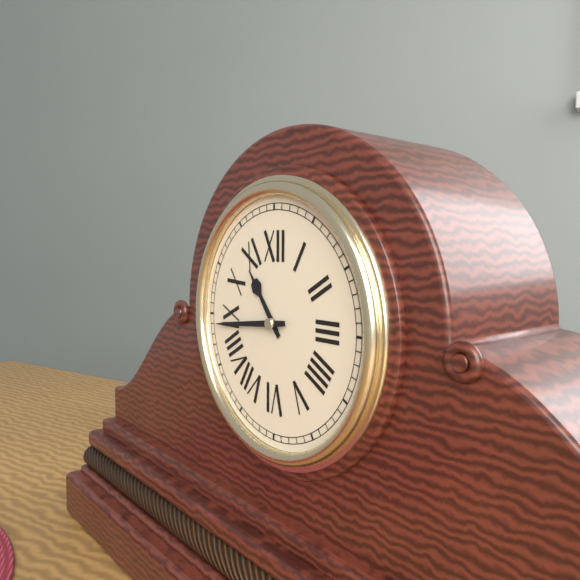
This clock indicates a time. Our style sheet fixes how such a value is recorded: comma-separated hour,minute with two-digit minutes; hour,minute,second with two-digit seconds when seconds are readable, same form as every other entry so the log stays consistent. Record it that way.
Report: 10,44
